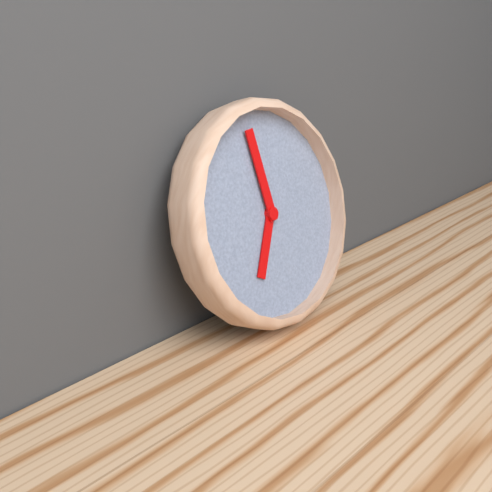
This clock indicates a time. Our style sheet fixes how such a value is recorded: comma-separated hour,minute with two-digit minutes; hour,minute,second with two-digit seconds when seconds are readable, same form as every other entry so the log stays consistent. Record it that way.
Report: 6,59
